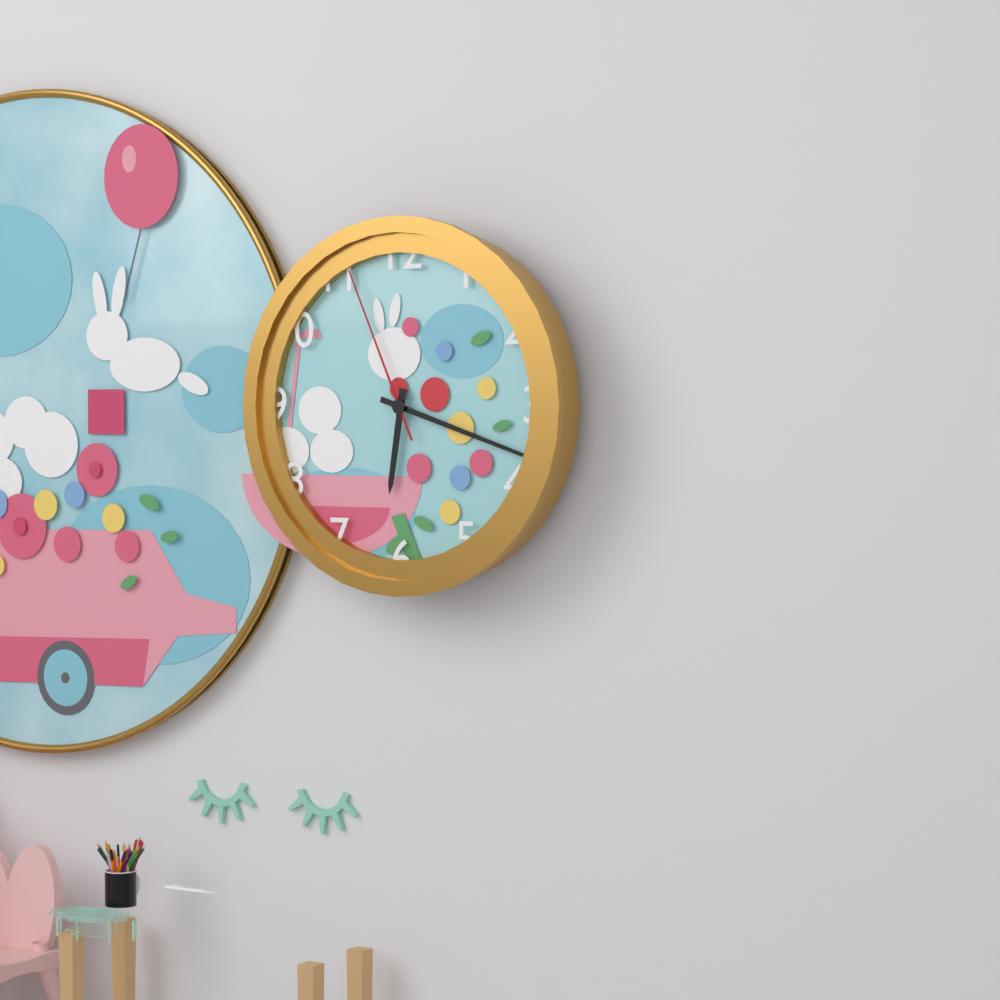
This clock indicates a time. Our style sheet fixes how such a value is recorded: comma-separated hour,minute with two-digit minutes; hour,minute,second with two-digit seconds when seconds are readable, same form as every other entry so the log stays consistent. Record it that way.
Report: 6,18,56
